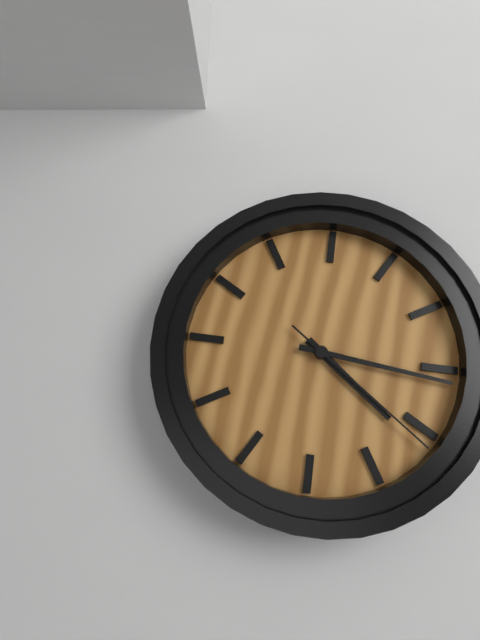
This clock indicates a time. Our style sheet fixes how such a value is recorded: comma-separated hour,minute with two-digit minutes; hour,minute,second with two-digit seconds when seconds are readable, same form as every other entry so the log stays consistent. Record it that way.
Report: 4,16,21
